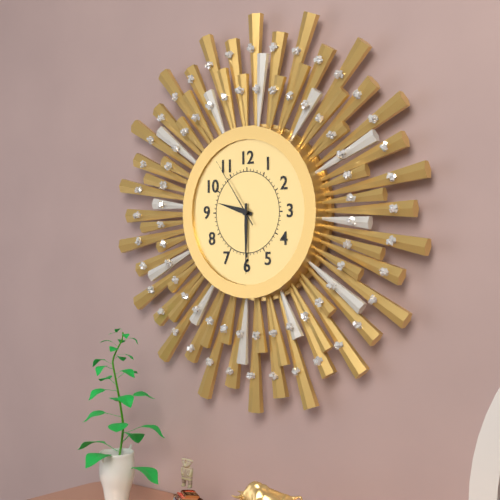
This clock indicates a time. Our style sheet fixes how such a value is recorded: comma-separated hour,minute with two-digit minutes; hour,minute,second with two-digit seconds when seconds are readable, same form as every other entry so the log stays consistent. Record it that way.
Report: 9,30,54
